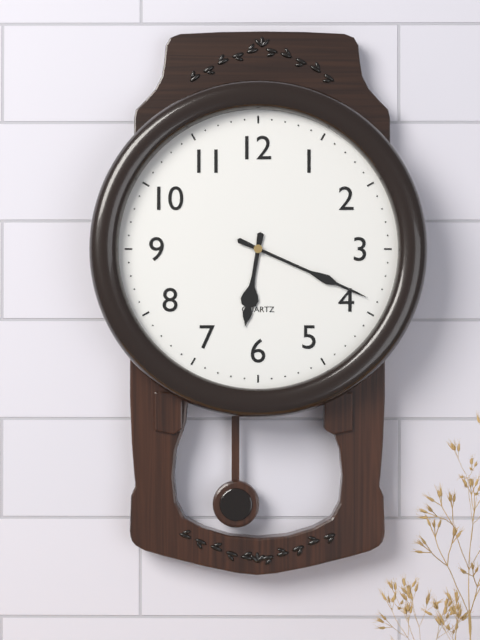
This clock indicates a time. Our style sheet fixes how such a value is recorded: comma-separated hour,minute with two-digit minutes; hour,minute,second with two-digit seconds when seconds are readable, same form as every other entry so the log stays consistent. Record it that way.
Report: 6,19
